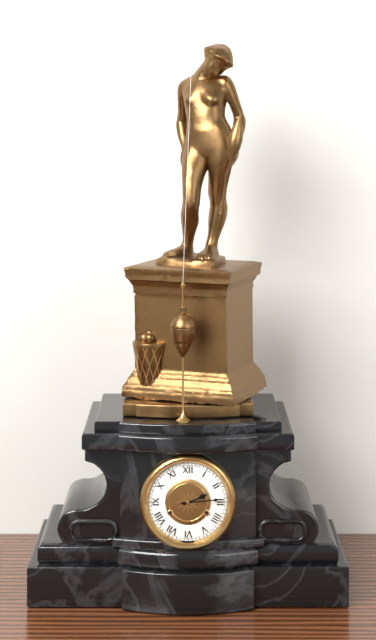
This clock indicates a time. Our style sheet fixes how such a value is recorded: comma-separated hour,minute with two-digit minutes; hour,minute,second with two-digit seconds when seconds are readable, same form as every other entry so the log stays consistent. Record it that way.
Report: 2,14
